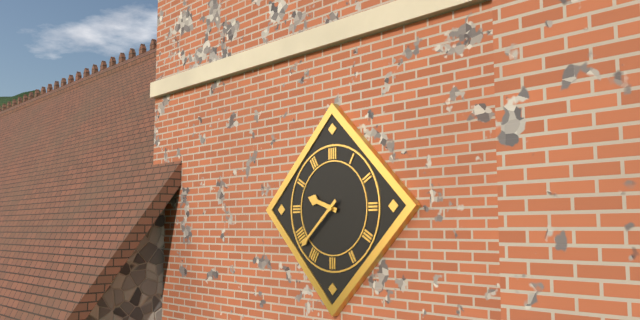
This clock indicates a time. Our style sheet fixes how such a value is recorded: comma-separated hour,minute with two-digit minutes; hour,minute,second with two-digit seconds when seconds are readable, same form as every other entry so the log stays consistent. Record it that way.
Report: 9,38
